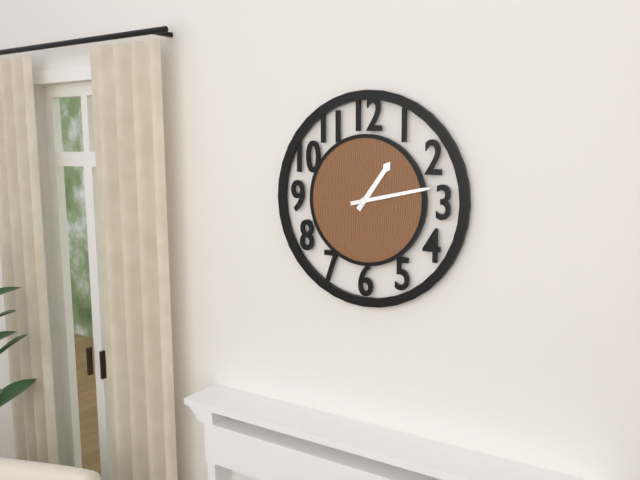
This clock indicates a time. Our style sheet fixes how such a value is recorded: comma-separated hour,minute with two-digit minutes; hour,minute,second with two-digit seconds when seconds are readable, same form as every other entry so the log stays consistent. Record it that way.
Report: 1,13
